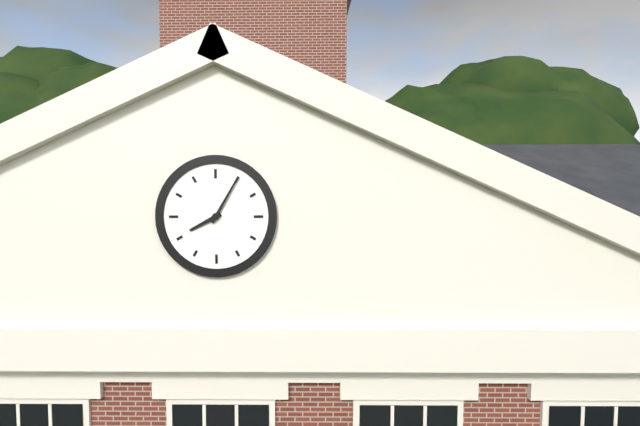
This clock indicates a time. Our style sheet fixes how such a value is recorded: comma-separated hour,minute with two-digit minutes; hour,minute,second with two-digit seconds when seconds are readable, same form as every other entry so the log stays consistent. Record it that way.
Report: 8,05
